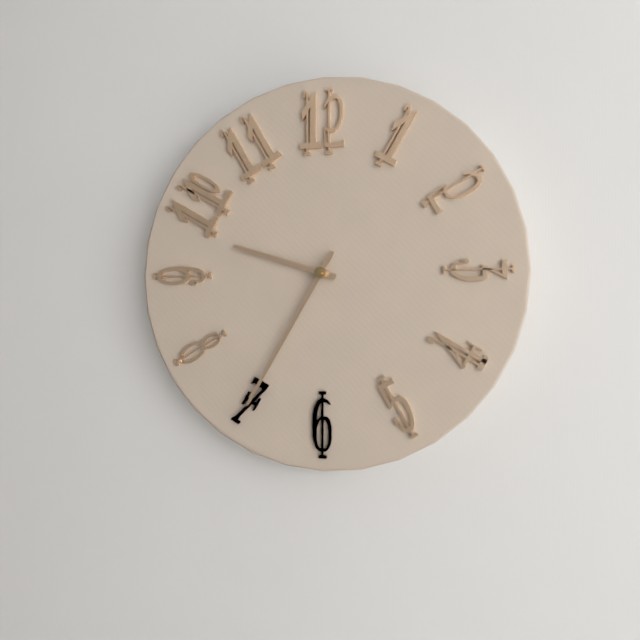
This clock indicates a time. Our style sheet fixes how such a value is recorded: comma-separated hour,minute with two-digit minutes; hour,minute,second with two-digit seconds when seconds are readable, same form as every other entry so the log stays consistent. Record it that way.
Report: 9,35
